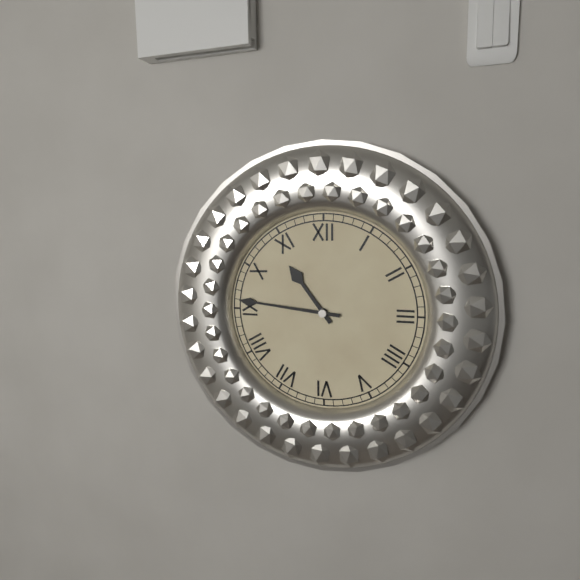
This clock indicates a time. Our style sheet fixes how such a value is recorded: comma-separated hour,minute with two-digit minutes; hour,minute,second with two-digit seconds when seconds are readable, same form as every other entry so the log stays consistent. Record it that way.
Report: 10,46
